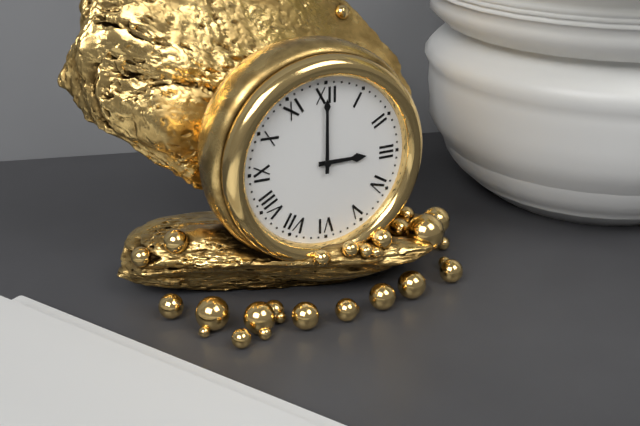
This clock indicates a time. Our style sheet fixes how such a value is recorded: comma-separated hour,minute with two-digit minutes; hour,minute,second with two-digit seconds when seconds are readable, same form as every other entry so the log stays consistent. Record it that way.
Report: 3,00
